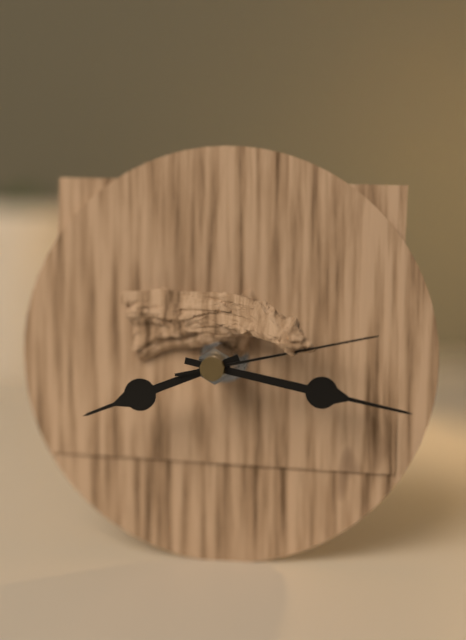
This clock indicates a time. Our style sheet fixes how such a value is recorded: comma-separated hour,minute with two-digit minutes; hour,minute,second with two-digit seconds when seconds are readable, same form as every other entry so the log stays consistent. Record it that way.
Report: 8,17,13
